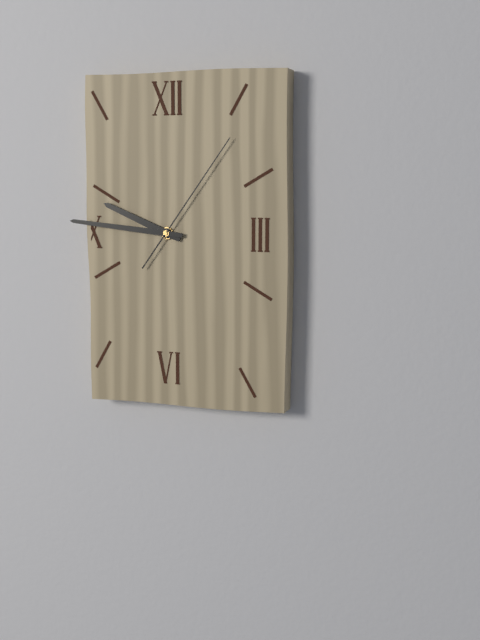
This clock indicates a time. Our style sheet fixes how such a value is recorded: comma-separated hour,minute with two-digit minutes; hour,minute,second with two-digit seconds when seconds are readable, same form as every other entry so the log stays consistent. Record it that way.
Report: 9,46,06
